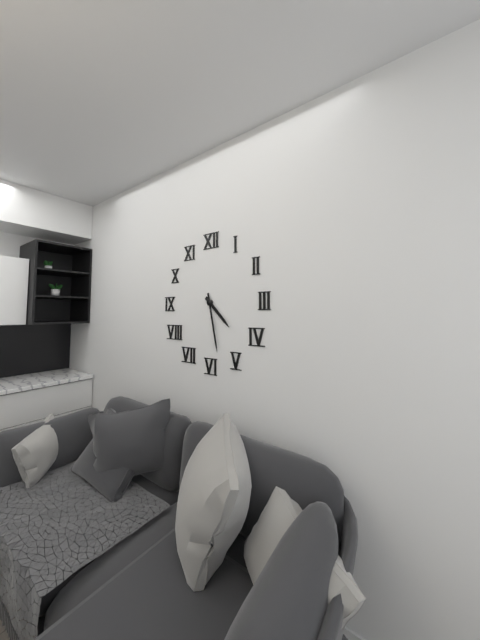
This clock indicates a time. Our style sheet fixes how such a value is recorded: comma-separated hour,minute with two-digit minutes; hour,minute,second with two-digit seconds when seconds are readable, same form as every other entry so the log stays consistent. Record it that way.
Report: 4,28
